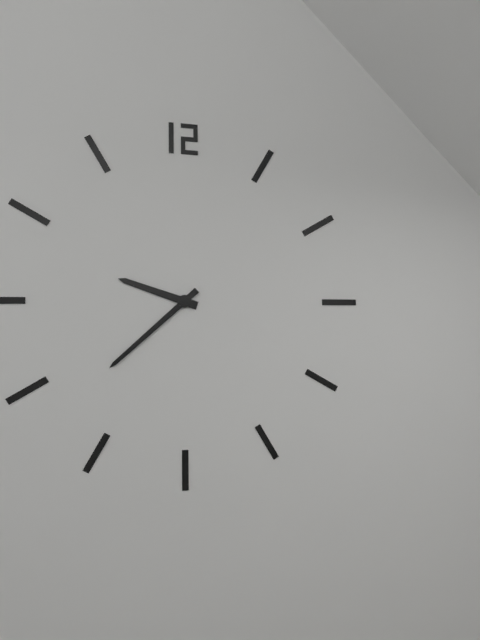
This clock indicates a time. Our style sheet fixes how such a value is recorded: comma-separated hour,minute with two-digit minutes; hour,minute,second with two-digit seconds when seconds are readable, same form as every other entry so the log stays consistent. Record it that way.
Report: 9,38
